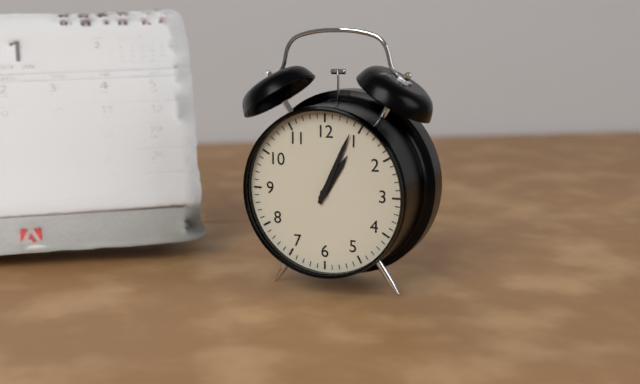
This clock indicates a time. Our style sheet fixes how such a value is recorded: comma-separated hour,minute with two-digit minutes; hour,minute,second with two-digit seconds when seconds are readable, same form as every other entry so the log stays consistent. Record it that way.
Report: 1,04
